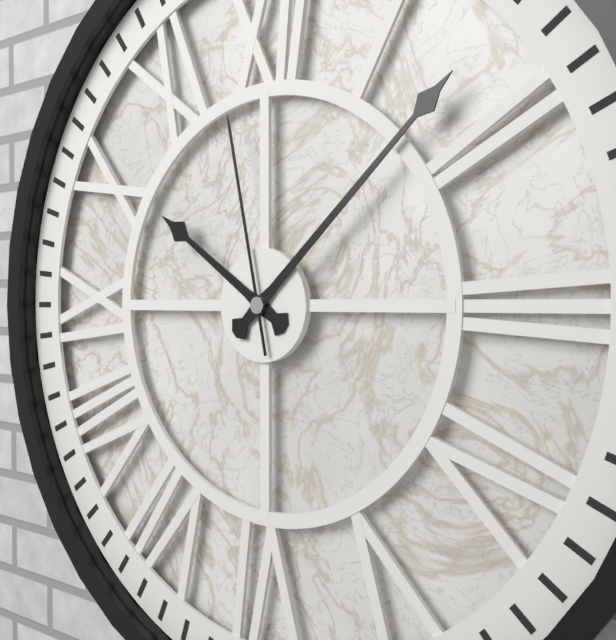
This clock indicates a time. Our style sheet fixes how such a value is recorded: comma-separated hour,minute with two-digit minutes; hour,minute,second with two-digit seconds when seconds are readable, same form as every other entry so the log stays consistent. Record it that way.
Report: 10,08,58
